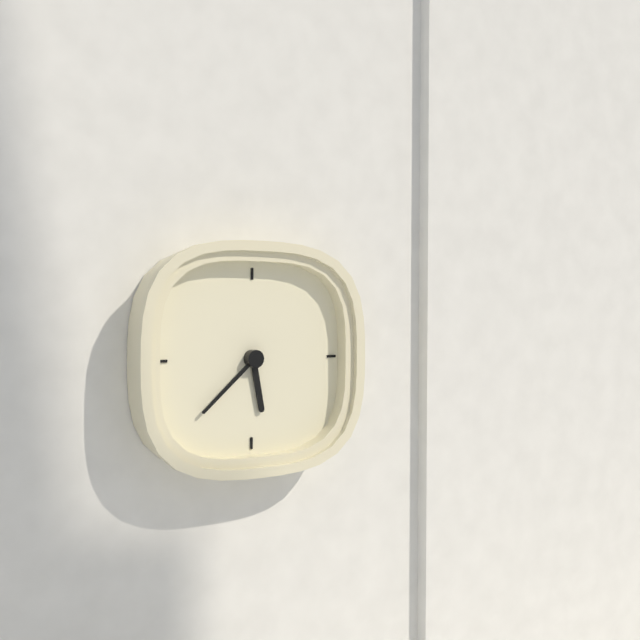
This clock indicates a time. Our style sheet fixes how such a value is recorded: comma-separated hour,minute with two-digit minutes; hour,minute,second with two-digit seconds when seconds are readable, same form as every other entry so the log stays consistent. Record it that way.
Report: 5,38
